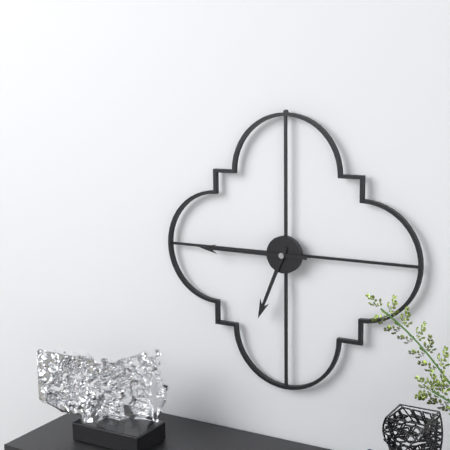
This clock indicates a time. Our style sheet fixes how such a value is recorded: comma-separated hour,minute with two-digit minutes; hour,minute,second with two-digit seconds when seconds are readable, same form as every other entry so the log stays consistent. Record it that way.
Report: 6,45
